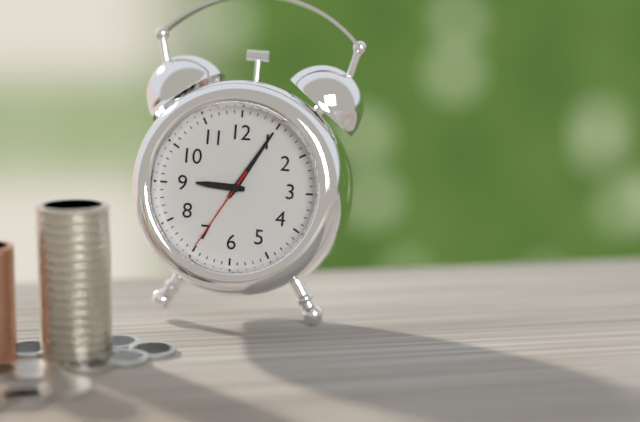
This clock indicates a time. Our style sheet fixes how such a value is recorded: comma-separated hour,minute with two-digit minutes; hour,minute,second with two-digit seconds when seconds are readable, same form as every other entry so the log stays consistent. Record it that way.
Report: 9,05,35
